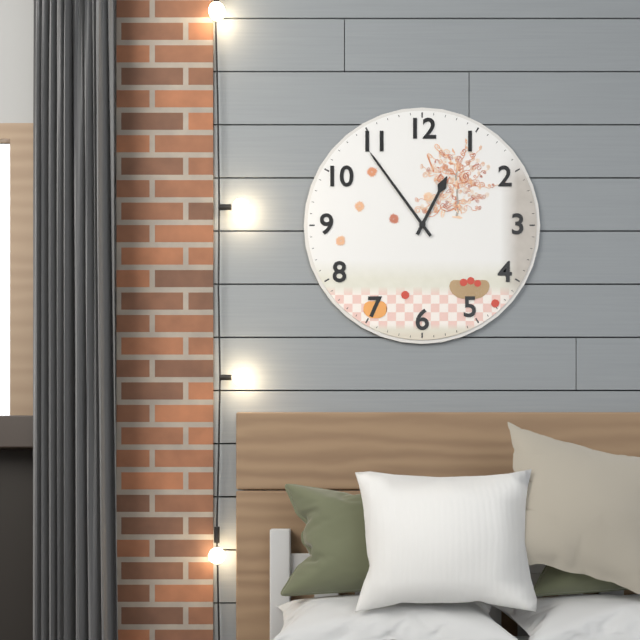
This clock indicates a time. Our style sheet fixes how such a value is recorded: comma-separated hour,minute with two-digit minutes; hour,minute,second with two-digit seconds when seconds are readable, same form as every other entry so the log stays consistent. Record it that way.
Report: 12,54
